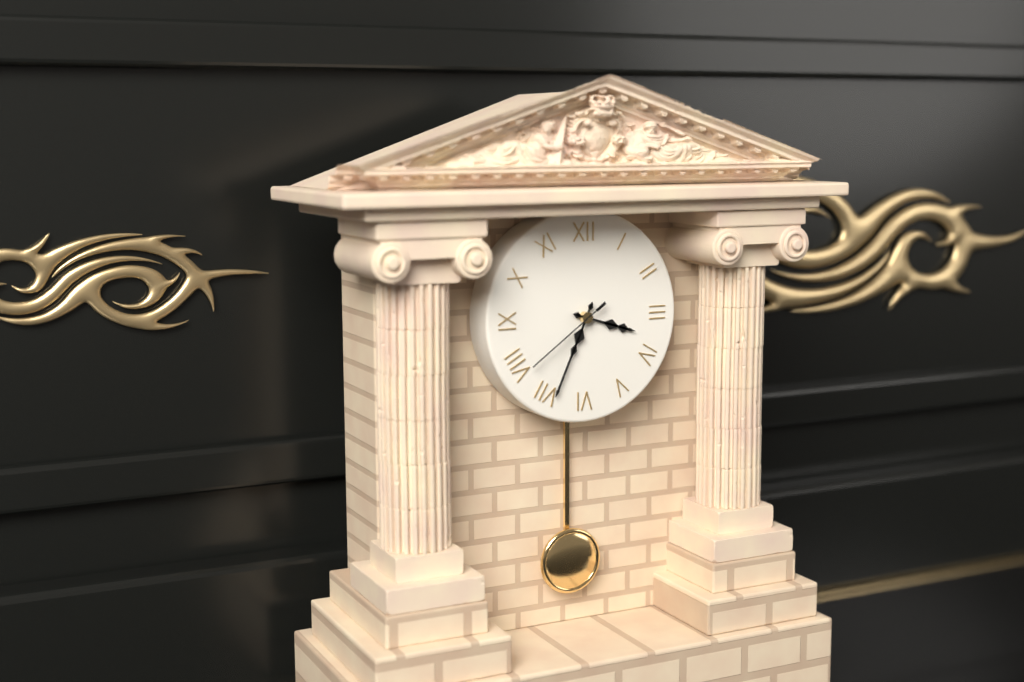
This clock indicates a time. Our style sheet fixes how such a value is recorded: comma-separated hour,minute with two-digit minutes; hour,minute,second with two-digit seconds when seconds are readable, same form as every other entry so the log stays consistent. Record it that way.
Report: 3,34,39
